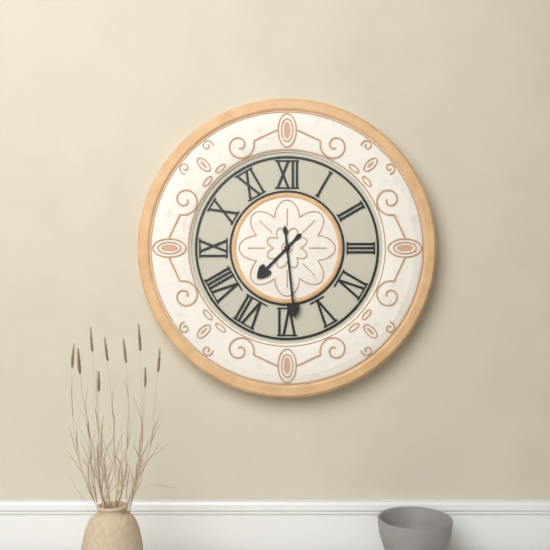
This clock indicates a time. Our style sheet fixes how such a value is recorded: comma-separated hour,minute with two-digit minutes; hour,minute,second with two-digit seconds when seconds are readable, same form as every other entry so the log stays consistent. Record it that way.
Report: 7,29
